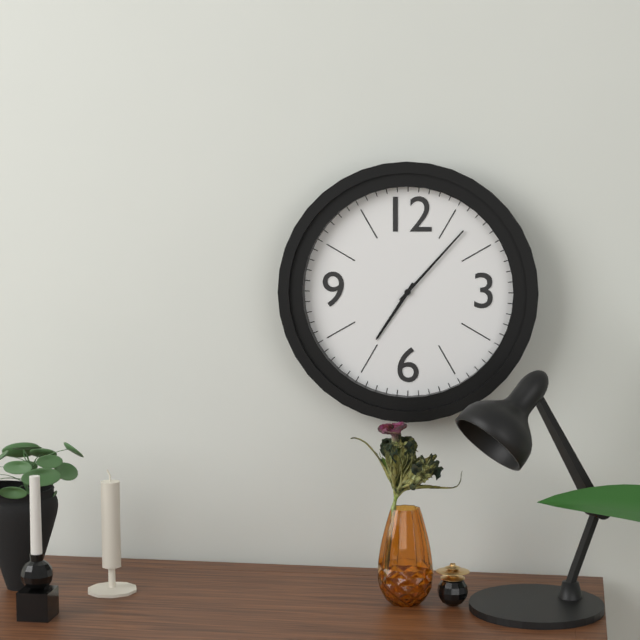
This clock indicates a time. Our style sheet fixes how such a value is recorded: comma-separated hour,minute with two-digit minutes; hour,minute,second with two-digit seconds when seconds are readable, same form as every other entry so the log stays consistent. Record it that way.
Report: 7,07
